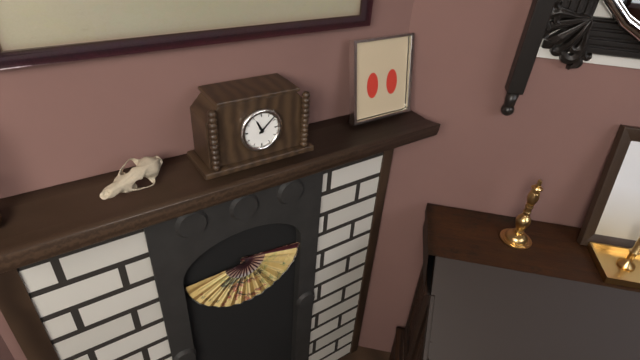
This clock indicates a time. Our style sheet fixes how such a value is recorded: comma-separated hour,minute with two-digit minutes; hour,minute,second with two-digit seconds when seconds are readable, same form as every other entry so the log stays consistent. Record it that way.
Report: 11,08
